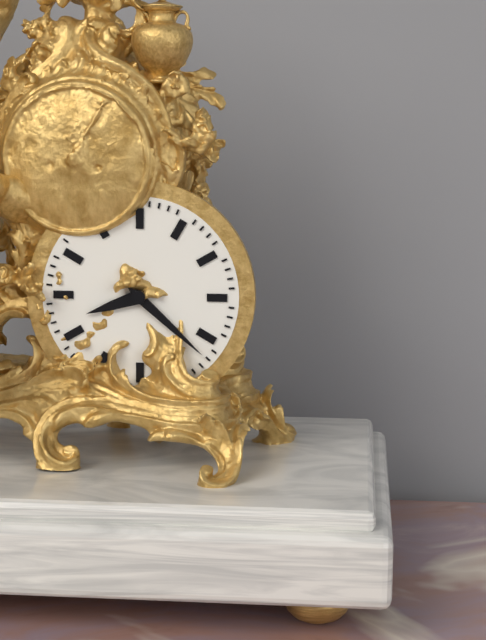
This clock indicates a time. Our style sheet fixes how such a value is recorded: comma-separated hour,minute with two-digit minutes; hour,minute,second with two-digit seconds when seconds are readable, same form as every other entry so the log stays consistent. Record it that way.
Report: 8,22
